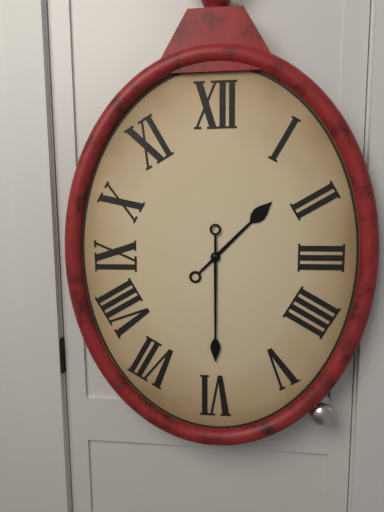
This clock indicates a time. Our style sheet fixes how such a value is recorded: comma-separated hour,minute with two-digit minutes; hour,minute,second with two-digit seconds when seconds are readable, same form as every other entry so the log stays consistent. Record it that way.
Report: 1,30
